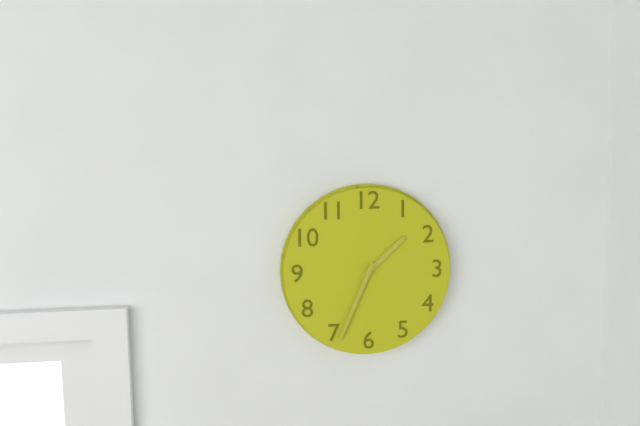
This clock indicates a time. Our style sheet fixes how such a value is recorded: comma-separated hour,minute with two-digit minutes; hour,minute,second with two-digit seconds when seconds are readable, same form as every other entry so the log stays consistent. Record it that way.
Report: 1,34
